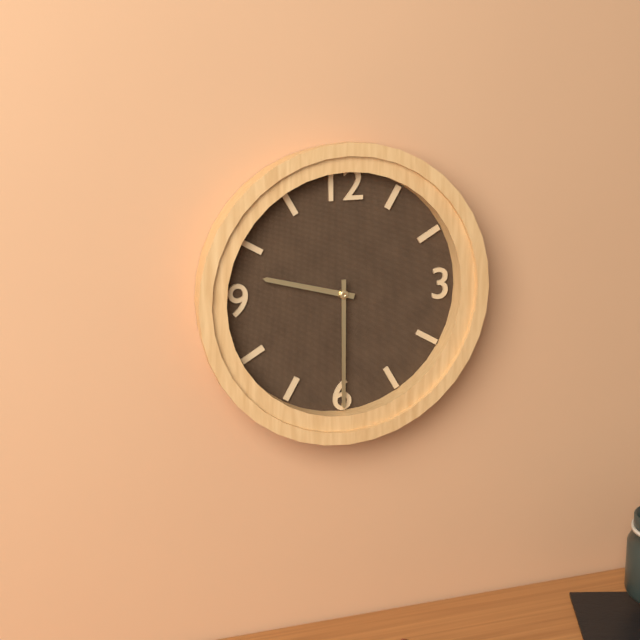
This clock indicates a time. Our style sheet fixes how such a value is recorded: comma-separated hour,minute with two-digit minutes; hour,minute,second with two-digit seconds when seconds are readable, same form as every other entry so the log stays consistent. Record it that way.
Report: 9,30
